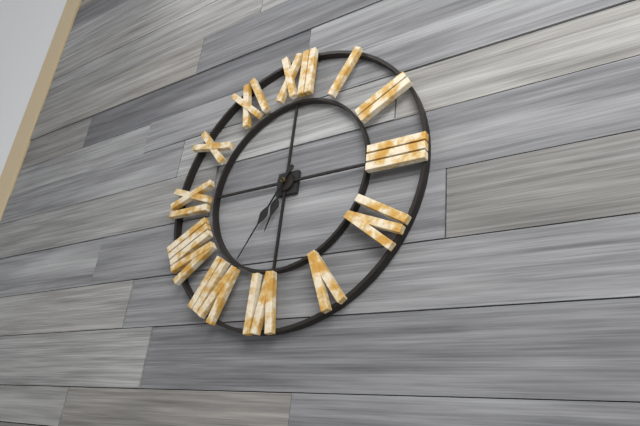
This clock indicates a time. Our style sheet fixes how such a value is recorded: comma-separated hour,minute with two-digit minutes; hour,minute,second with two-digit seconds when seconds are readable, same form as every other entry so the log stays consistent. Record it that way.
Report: 6,35
